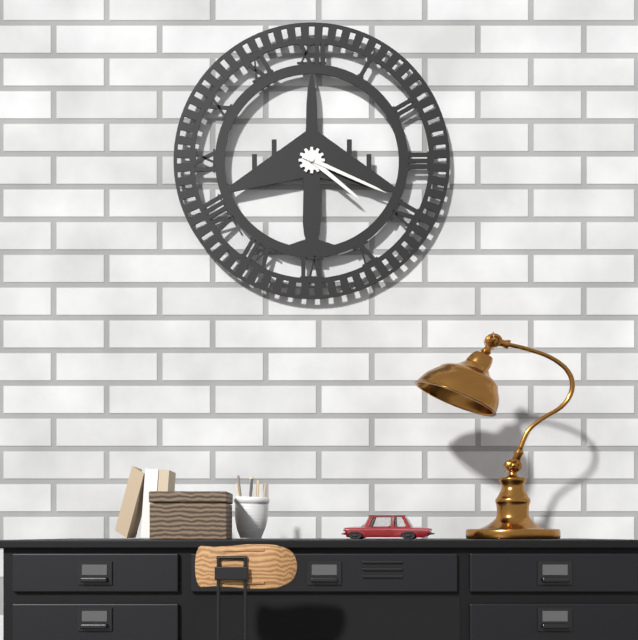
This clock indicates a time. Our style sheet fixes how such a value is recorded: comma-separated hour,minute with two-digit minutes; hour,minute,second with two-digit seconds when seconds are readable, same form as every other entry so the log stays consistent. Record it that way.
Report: 4,19
